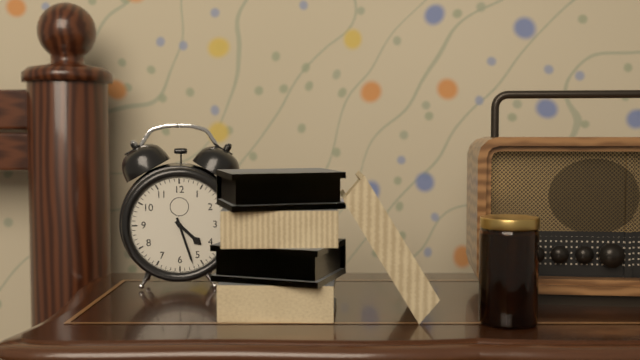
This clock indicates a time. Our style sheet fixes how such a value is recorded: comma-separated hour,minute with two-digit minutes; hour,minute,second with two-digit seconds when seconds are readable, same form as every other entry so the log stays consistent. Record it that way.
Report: 4,27
